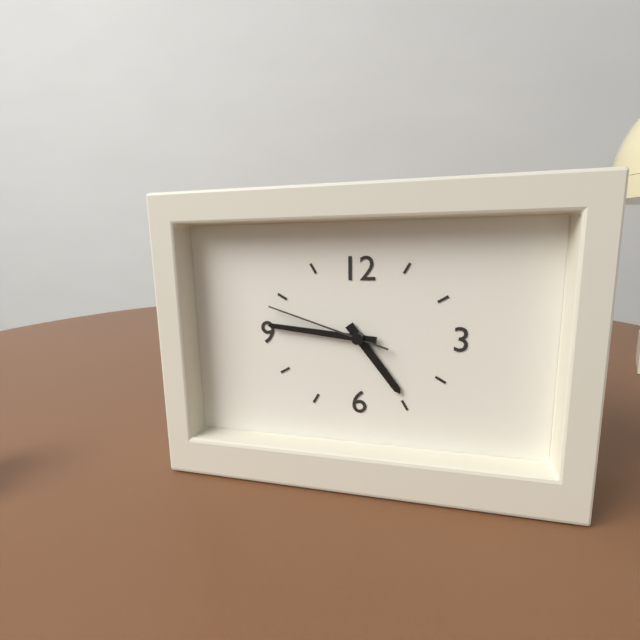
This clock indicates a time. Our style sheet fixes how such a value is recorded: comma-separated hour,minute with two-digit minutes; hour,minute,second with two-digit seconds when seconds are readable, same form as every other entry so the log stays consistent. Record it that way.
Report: 4,46,48
